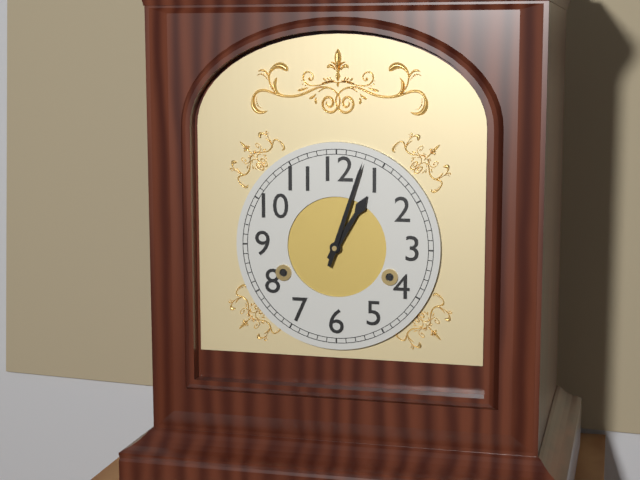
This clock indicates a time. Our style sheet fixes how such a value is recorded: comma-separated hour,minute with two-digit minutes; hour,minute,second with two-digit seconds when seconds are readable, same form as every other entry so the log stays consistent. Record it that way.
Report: 1,03
